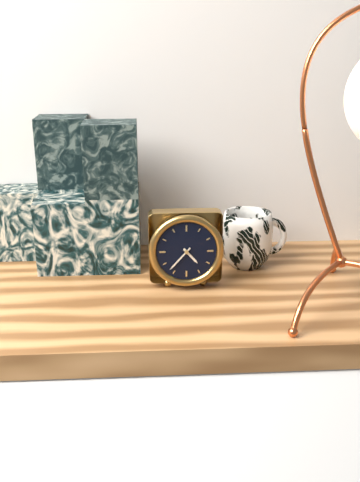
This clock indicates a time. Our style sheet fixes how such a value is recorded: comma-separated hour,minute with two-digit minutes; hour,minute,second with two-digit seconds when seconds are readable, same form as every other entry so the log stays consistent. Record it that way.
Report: 4,37
